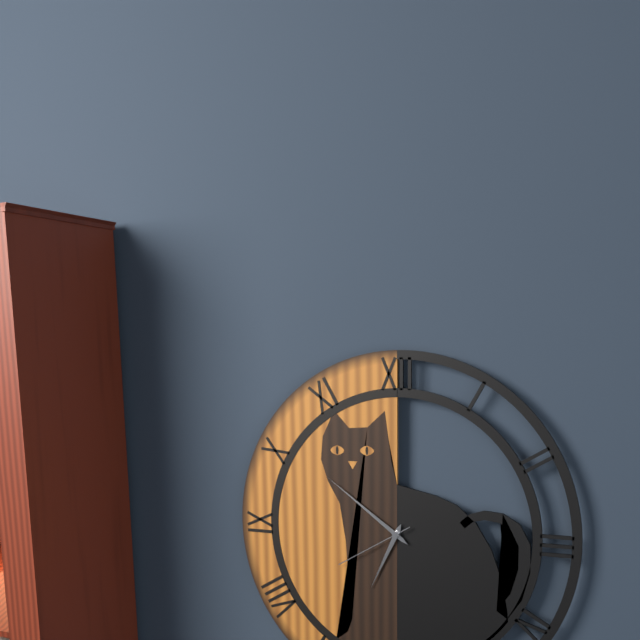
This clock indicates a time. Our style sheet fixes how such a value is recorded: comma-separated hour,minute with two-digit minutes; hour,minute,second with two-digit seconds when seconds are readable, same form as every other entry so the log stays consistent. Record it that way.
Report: 6,51,40
